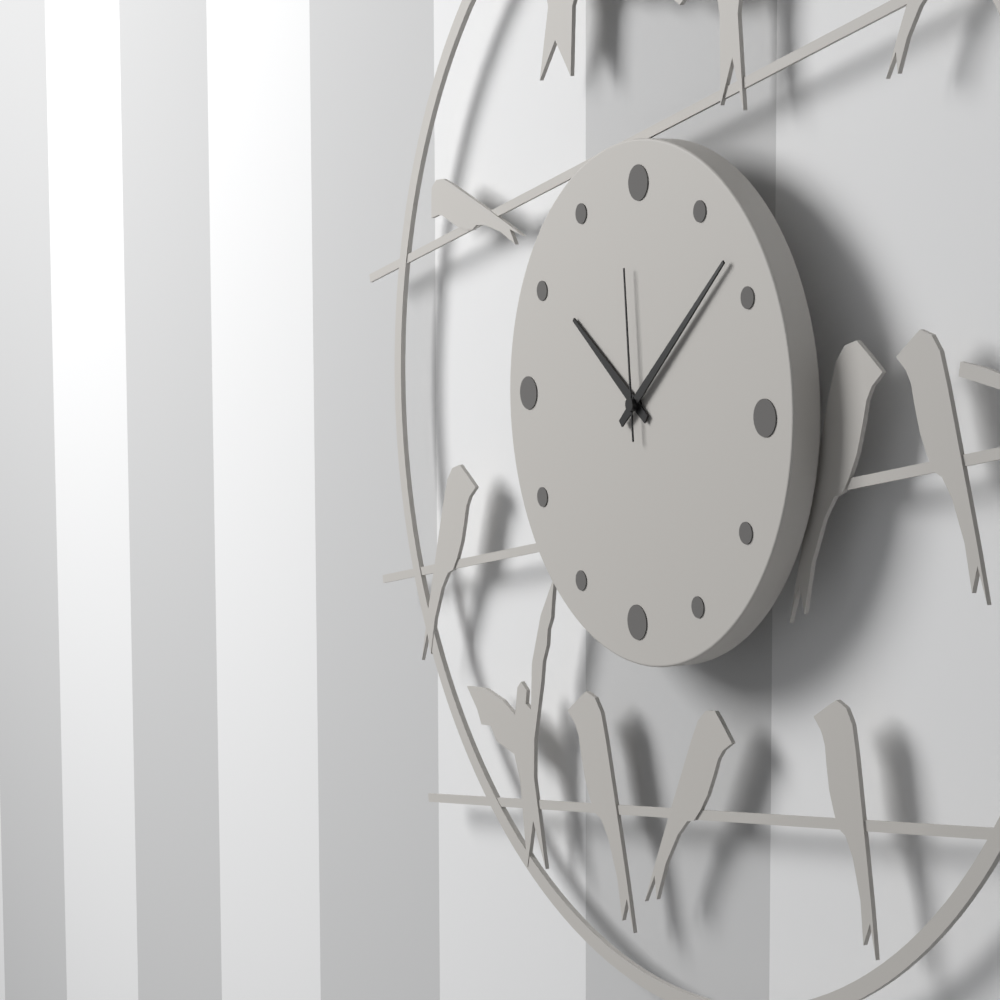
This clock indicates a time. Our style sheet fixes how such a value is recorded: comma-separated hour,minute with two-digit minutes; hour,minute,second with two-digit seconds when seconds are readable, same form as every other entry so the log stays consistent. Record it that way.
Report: 10,08,59
